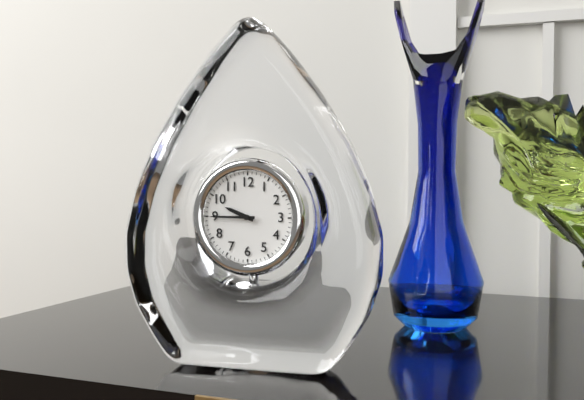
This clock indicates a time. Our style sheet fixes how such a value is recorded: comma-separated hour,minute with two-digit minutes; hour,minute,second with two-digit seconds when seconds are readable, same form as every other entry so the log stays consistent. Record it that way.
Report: 9,45
